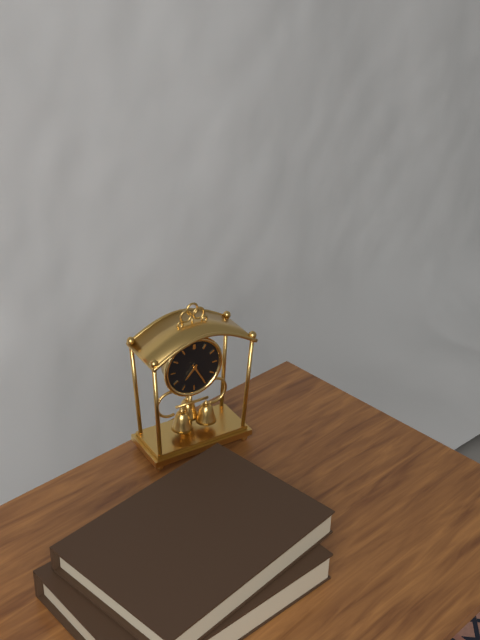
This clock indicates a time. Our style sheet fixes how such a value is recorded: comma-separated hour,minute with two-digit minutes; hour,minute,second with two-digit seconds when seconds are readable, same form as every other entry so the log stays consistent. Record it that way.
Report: 7,25
